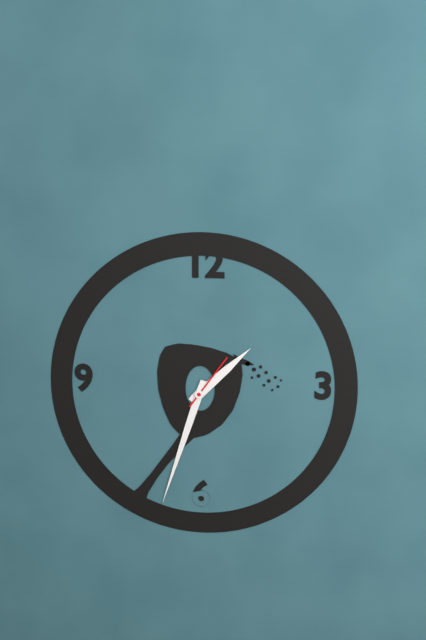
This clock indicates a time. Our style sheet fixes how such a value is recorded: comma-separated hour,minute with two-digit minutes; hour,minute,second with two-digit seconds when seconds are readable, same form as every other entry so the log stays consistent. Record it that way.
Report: 1,33,06
